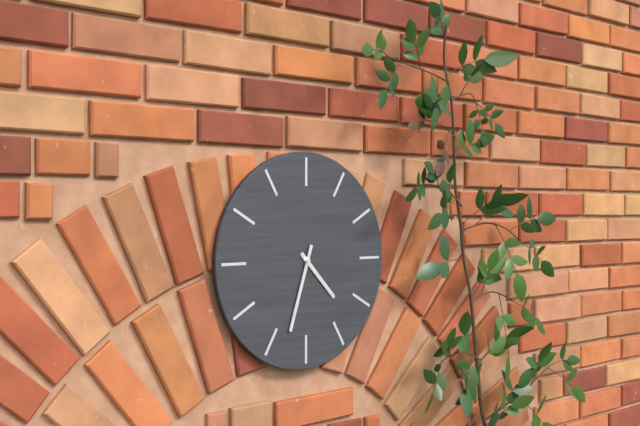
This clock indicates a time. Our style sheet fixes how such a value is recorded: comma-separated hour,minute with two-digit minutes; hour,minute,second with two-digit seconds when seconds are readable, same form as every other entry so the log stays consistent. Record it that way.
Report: 4,33
